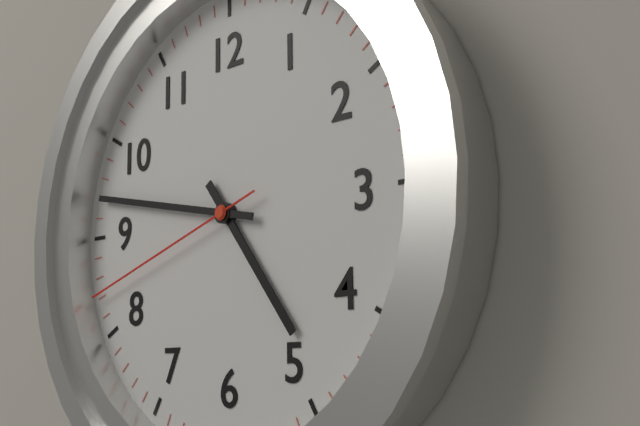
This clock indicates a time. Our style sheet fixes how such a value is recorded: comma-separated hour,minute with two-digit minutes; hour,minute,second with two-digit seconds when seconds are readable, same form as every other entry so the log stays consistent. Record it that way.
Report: 4,47,42
